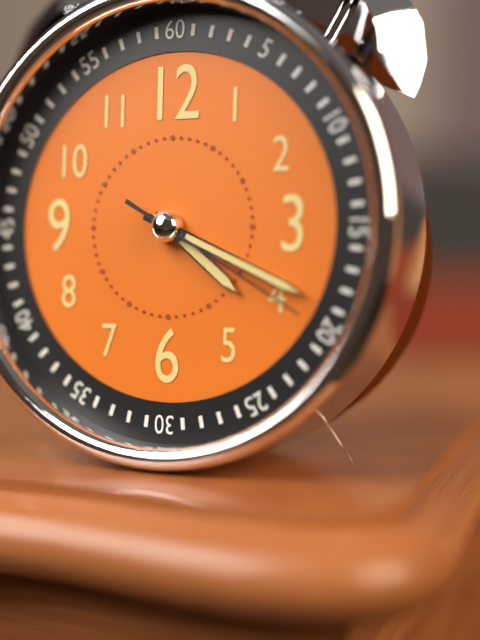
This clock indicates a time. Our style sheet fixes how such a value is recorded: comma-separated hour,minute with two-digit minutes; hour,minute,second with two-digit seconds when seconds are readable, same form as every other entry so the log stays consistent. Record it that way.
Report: 4,19,20
